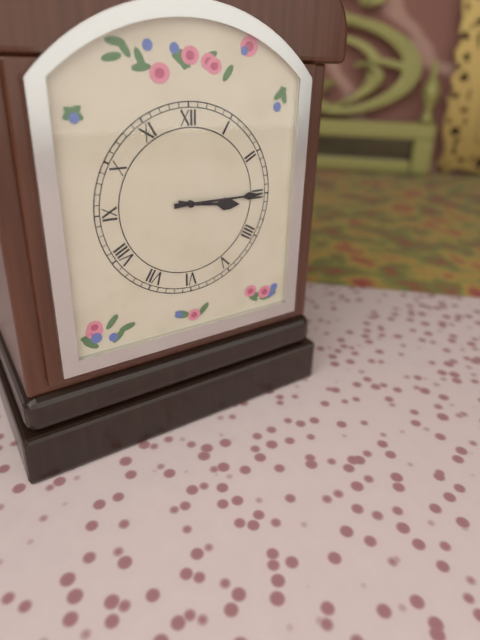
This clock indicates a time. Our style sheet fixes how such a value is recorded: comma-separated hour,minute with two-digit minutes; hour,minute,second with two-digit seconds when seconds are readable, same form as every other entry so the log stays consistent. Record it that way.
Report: 3,15
